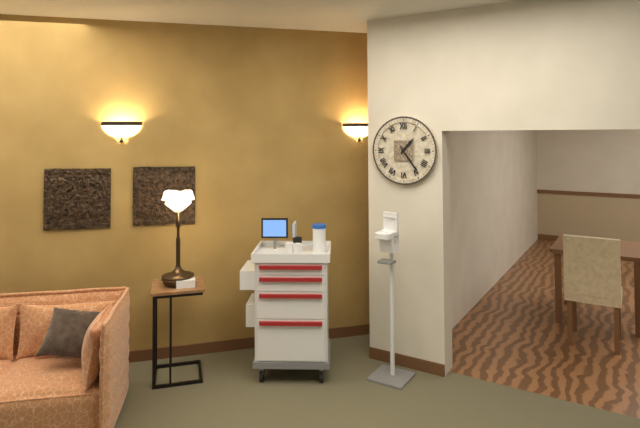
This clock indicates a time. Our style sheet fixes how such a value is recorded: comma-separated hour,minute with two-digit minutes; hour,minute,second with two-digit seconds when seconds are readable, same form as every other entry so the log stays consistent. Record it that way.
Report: 1,24
